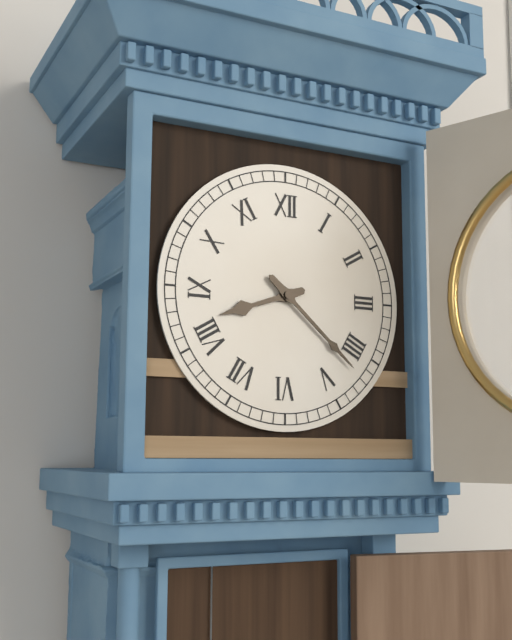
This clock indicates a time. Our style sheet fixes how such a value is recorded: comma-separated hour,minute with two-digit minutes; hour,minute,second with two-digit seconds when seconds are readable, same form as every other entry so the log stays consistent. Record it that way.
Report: 8,22
